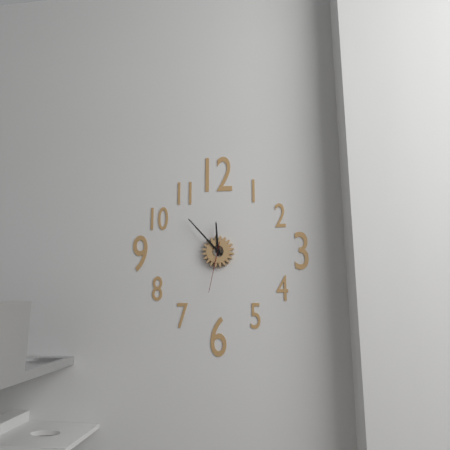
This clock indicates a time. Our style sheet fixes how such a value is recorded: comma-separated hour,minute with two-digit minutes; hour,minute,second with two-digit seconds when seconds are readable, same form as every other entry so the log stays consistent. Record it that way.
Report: 11,53,32
